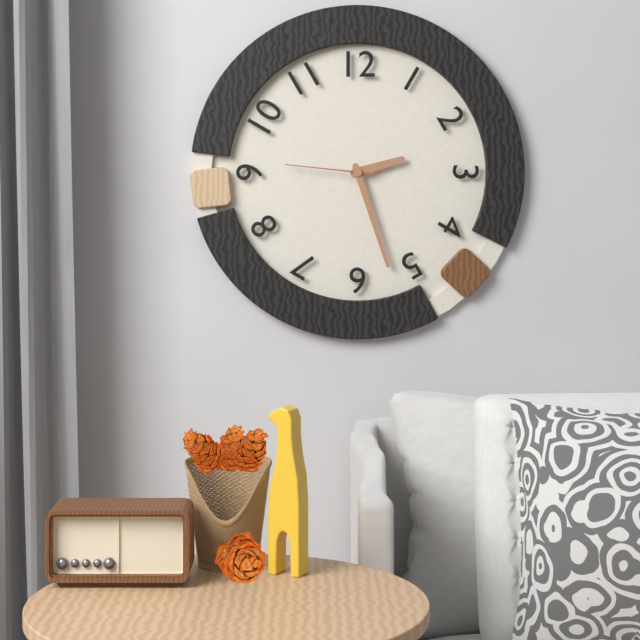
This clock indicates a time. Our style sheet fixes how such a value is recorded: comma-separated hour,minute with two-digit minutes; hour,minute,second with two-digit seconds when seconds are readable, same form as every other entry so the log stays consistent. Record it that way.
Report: 2,27,46
